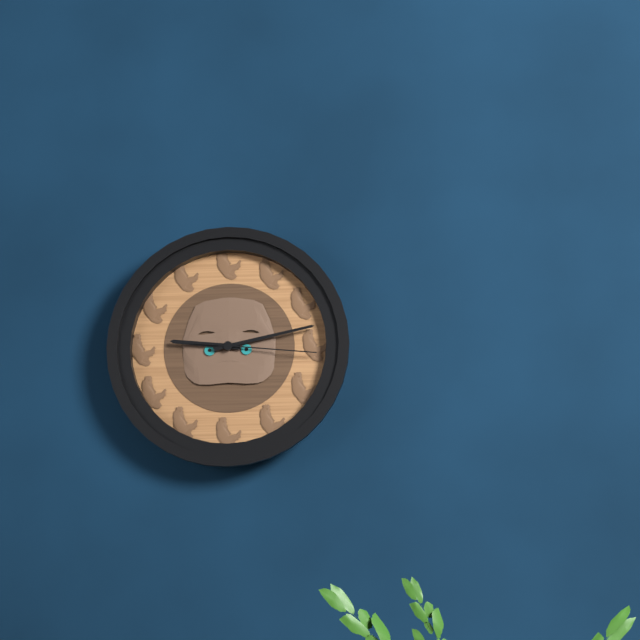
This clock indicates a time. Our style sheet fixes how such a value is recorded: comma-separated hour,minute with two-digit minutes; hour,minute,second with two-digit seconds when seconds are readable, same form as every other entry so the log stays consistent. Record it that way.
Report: 9,13,16
